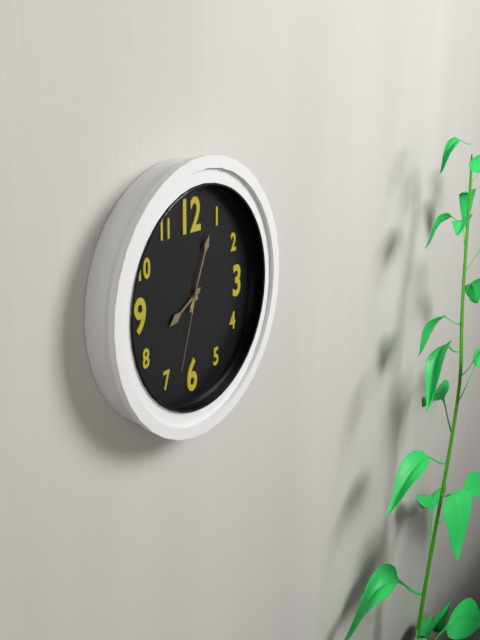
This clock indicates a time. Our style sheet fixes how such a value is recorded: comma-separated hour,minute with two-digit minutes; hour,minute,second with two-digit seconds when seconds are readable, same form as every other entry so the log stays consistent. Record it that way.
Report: 8,04,33
